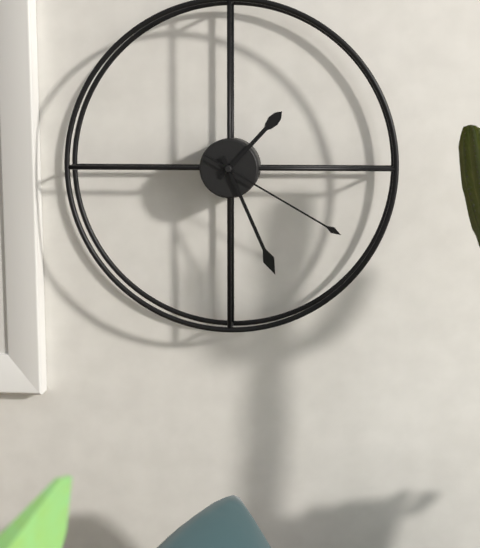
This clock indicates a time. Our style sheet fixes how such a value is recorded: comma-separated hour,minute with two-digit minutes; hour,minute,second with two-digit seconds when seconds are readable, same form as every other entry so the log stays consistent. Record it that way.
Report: 1,26,20
